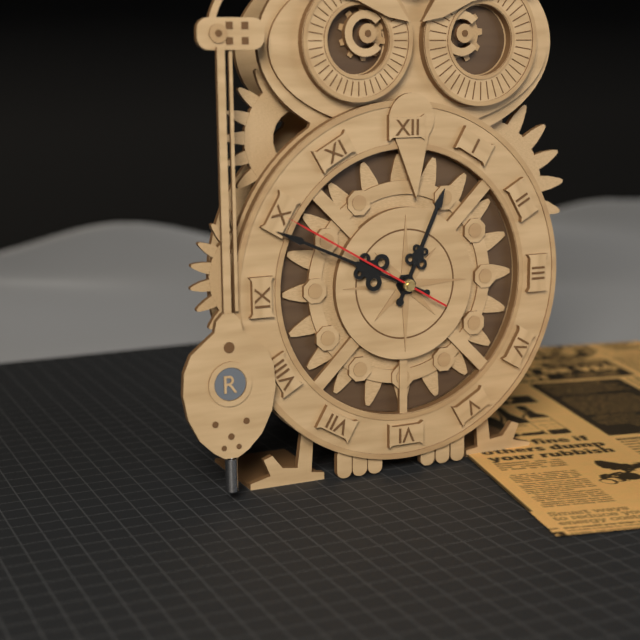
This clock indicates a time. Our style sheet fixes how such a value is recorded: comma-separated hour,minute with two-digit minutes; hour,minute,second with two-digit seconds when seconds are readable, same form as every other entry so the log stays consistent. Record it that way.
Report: 12,49,50
